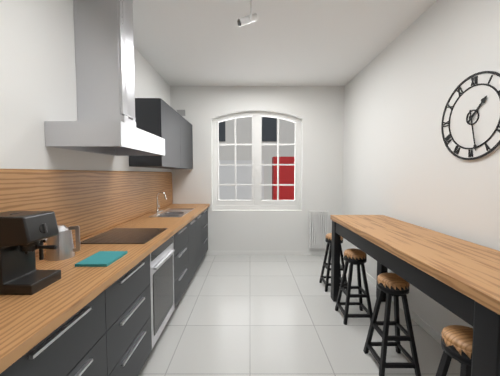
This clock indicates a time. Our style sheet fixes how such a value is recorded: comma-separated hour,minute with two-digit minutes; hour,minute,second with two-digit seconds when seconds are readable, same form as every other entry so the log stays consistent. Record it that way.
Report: 1,28
